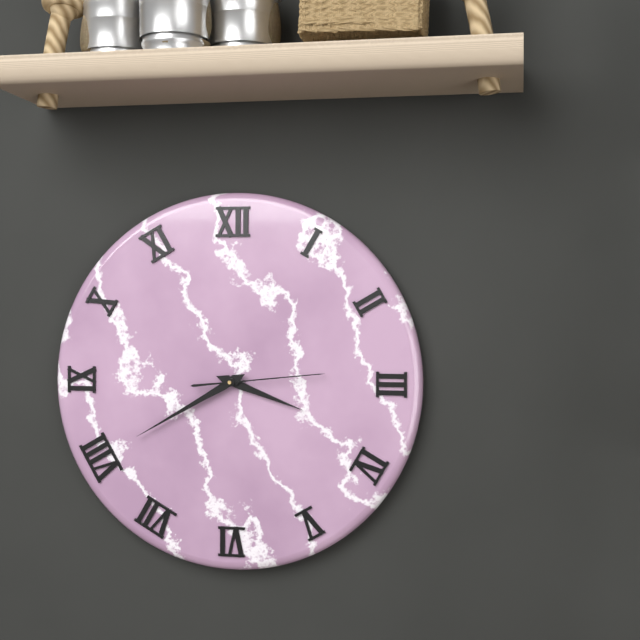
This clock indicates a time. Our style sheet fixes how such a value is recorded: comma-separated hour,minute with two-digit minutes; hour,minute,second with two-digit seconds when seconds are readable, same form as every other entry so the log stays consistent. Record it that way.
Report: 3,40,14
